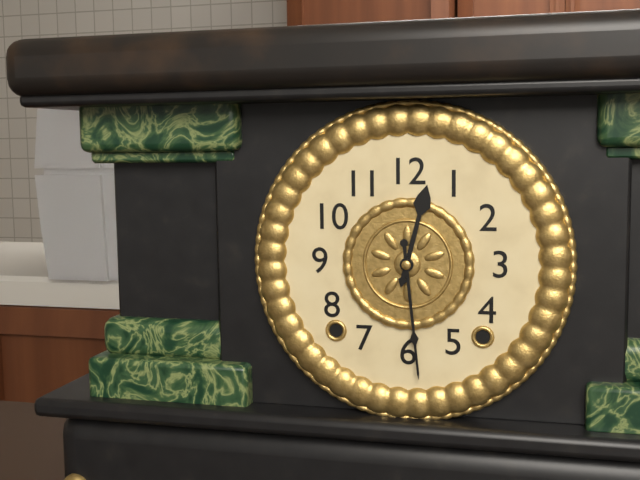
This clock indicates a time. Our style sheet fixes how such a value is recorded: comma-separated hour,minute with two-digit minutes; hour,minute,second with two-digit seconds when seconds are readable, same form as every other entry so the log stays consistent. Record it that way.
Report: 12,29
